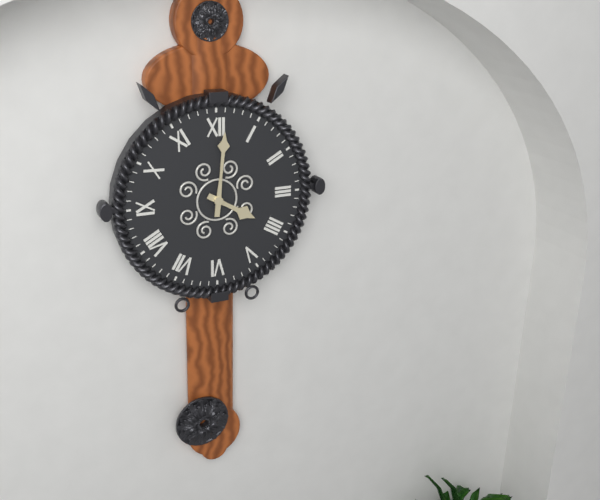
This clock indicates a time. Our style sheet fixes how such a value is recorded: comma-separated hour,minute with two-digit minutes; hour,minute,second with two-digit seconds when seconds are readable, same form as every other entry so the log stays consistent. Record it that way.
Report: 4,01
